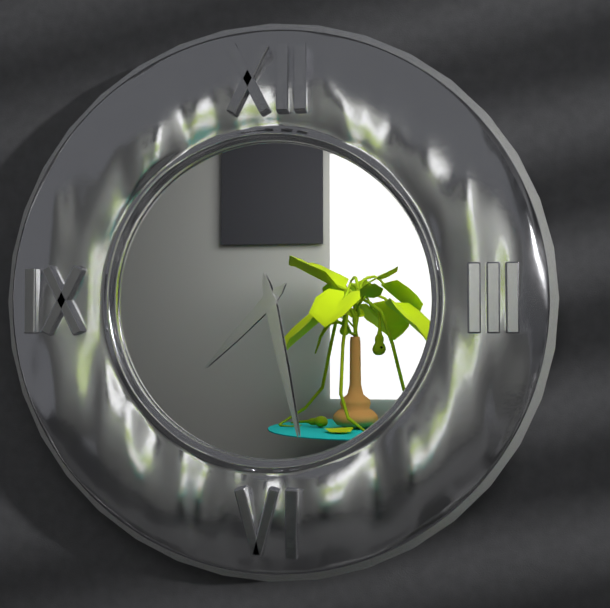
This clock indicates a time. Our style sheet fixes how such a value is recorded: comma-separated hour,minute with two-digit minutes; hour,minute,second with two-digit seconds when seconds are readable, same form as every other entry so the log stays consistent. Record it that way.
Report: 7,28
